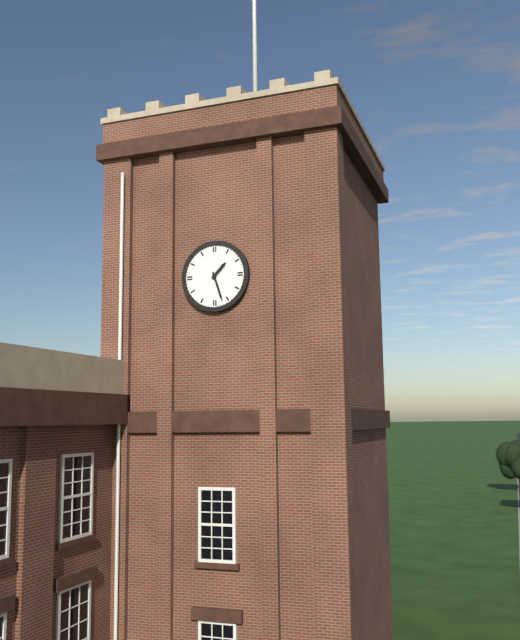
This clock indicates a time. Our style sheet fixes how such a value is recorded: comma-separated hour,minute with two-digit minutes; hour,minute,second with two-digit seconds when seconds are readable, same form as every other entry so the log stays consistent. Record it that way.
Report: 1,27
